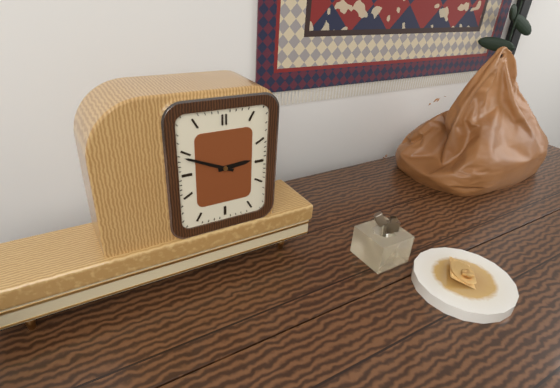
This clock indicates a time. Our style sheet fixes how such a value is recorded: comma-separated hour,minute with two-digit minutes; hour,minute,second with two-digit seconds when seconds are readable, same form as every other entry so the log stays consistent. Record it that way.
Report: 2,49
